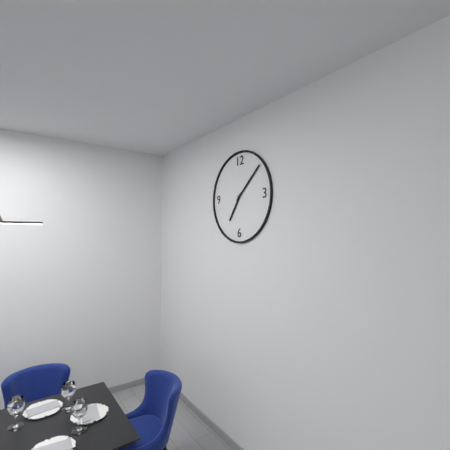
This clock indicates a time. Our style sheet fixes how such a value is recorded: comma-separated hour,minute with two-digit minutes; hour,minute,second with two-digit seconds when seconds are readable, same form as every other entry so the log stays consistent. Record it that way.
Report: 7,08
